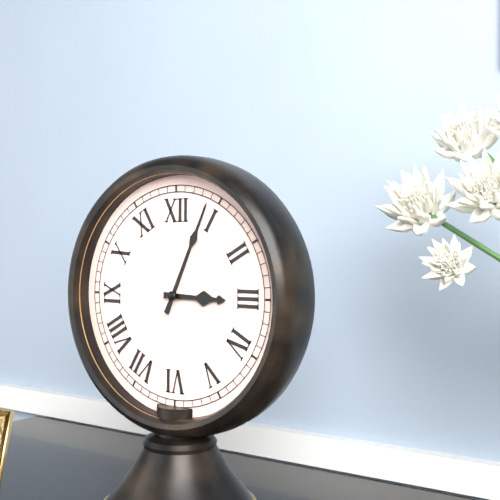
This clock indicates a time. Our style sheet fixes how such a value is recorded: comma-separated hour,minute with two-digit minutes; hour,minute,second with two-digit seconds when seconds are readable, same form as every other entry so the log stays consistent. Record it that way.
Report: 3,04
